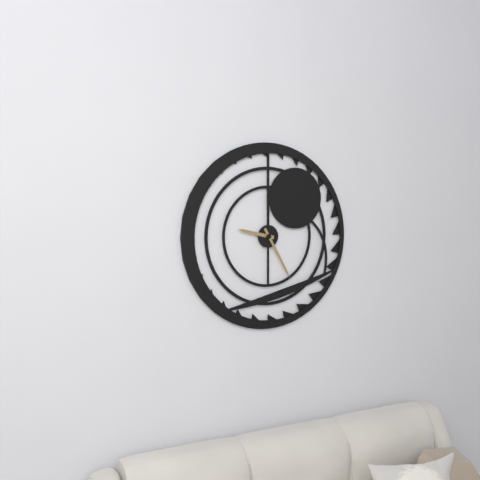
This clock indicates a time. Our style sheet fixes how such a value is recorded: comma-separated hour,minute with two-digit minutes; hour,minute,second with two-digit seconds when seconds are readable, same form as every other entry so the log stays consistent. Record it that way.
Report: 9,25
